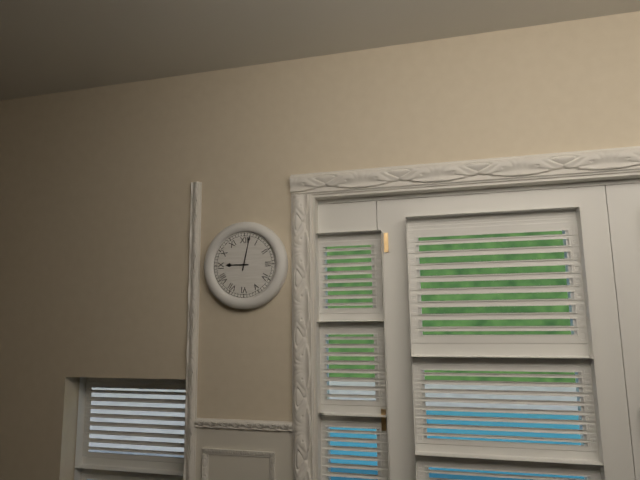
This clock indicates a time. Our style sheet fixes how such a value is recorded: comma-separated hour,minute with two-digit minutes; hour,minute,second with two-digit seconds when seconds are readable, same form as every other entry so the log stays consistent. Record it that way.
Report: 9,02
